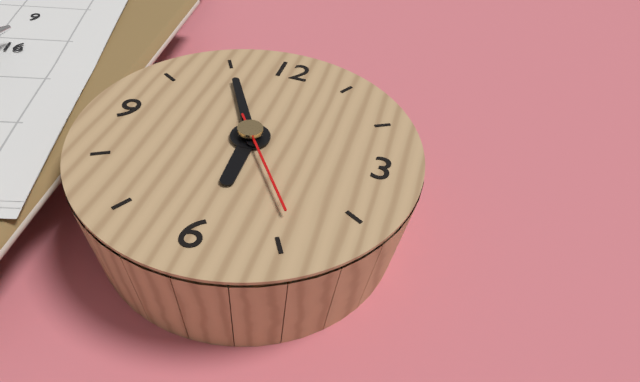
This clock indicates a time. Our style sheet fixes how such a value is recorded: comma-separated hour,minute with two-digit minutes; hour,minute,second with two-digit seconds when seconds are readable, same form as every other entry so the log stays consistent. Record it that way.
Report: 5,55,24
